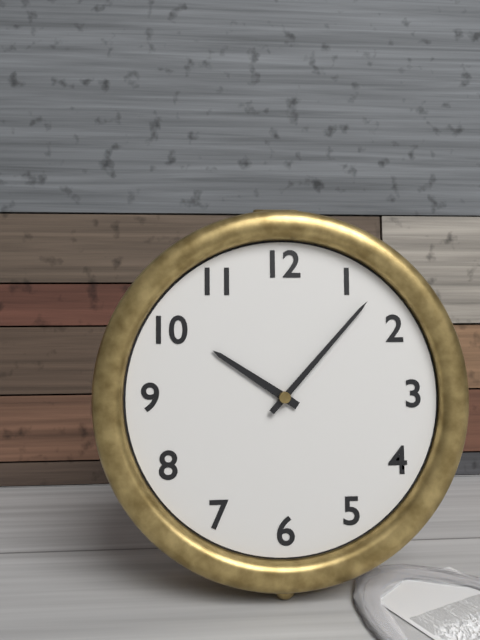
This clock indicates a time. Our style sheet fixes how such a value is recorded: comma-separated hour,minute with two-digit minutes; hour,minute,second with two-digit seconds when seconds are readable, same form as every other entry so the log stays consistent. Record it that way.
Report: 10,07
